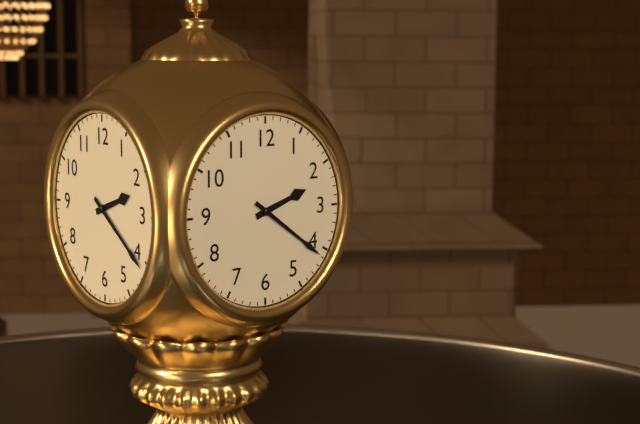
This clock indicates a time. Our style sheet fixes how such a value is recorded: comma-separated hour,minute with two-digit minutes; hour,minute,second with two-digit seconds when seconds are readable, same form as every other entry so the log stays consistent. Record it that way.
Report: 2,21
